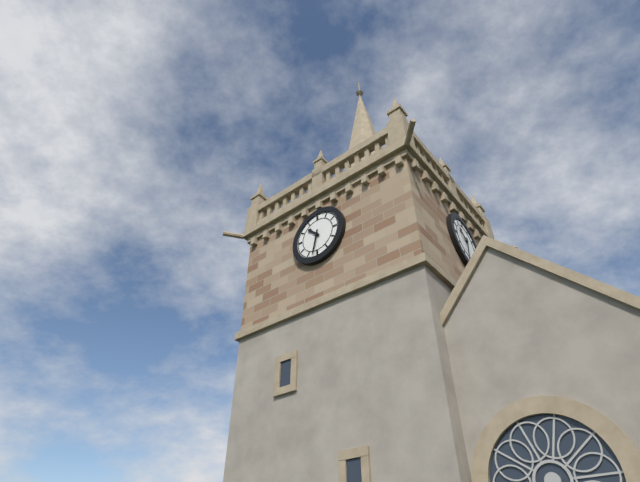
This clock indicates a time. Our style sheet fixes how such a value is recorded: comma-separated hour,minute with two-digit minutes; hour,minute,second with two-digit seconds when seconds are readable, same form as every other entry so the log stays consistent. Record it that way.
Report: 10,32
